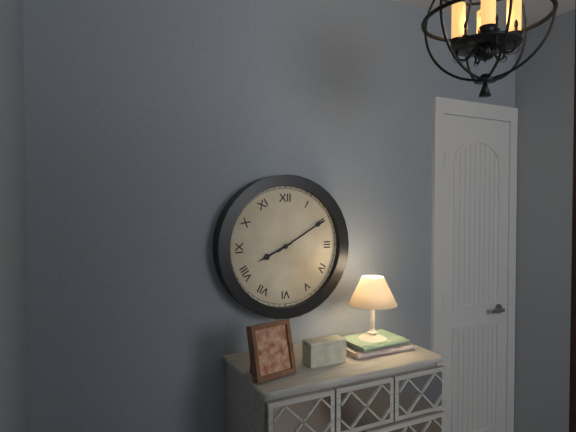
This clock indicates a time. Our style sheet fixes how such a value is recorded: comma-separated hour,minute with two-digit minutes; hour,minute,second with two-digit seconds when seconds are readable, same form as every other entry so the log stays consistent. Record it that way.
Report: 8,10
